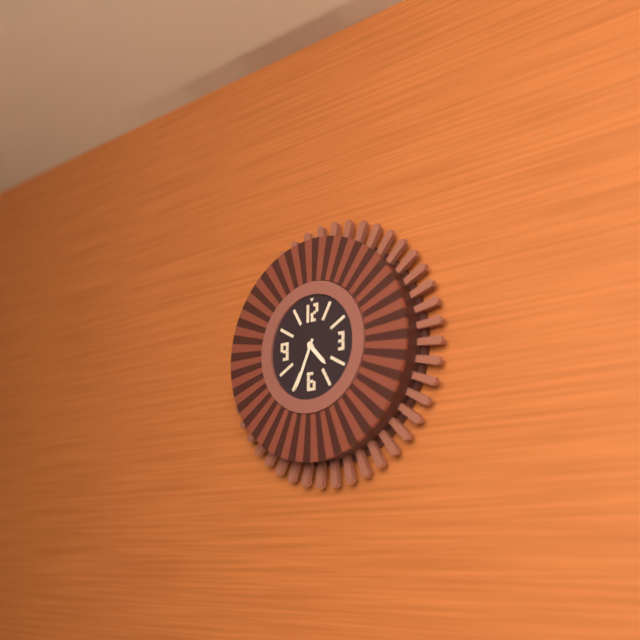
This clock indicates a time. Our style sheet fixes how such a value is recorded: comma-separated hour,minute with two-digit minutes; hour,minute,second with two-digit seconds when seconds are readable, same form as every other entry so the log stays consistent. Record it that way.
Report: 4,34
